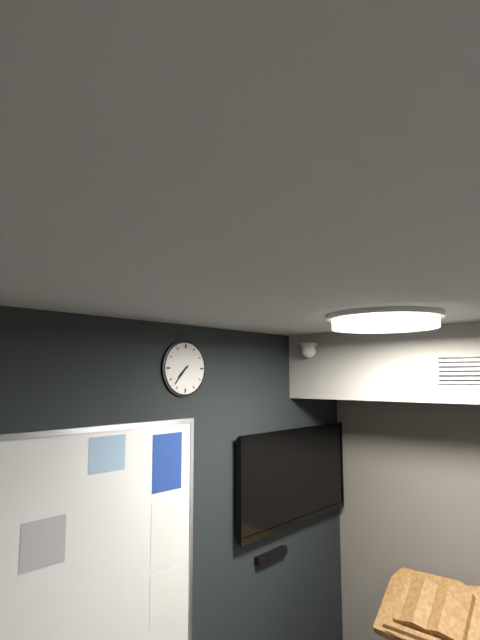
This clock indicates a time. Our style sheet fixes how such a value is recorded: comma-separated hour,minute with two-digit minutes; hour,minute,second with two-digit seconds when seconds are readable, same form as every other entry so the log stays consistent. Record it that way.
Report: 7,37
